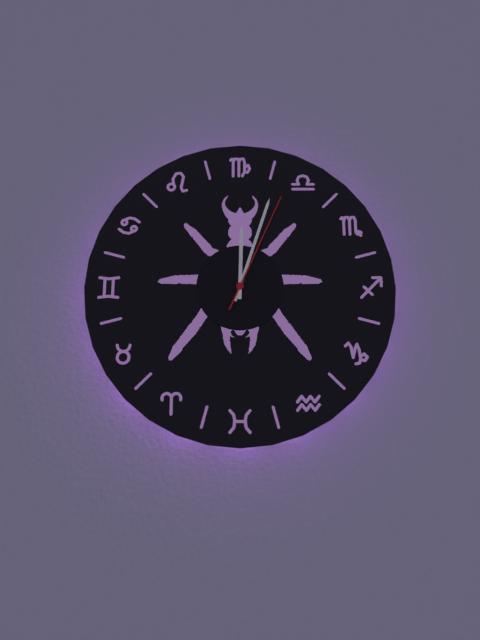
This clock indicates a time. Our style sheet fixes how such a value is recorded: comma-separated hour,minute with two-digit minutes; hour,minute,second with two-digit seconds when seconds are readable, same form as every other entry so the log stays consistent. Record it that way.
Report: 12,03,04
